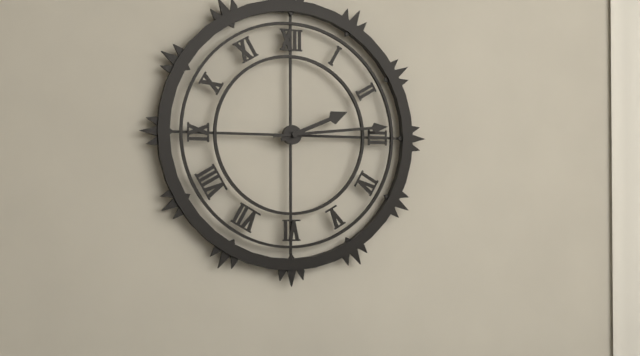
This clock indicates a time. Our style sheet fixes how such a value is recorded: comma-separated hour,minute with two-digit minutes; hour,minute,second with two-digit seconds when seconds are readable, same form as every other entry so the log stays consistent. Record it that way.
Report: 2,14
